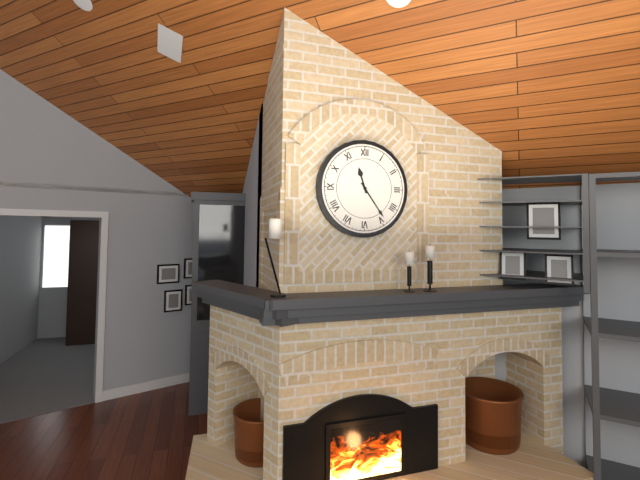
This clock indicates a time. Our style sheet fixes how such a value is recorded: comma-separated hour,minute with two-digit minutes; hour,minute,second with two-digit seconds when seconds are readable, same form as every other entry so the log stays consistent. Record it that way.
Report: 11,24
